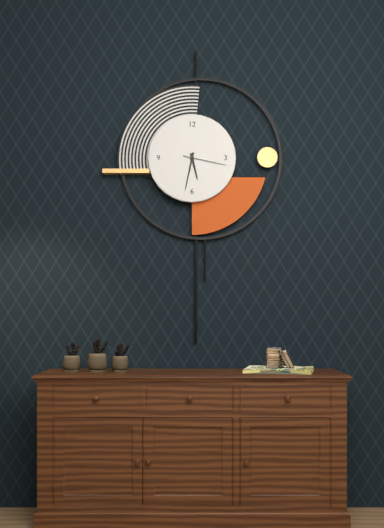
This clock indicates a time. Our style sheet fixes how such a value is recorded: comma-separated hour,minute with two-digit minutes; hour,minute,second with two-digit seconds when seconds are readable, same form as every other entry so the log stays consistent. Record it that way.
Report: 5,32
